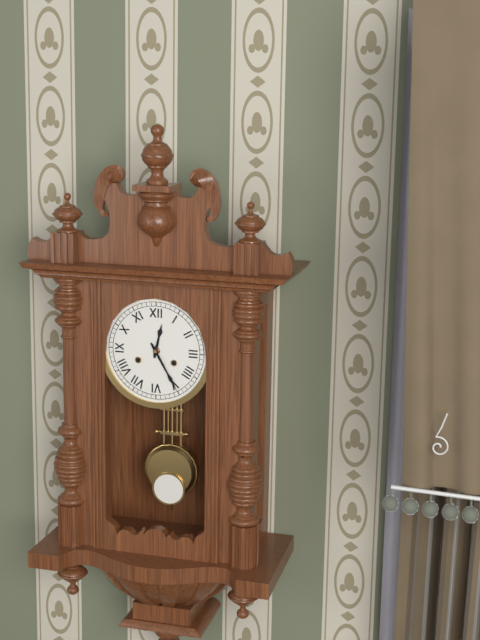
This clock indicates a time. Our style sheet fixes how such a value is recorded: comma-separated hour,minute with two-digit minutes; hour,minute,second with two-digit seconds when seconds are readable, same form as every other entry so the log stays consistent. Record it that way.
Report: 12,25
